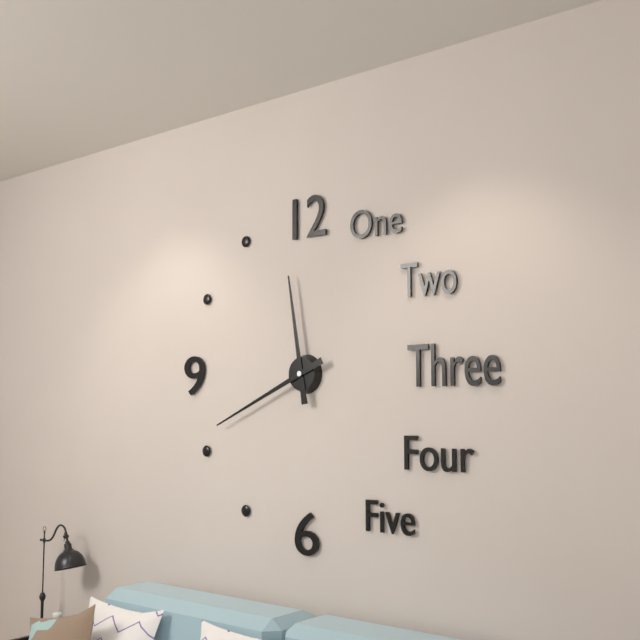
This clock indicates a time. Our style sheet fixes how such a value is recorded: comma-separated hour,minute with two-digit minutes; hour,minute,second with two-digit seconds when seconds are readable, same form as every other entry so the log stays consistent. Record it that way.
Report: 11,41
